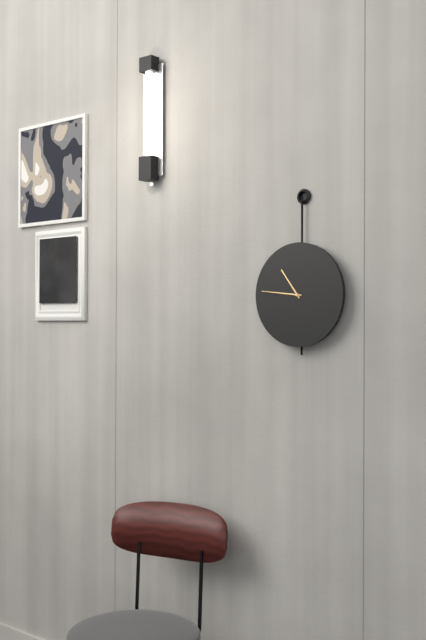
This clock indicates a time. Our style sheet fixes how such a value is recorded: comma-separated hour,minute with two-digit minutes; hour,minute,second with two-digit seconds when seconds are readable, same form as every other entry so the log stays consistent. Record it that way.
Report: 10,46
